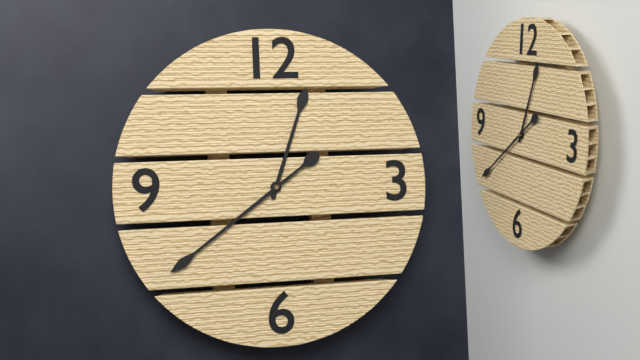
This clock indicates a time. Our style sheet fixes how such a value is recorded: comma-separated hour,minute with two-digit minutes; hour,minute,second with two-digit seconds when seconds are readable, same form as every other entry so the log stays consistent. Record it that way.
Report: 12,39
